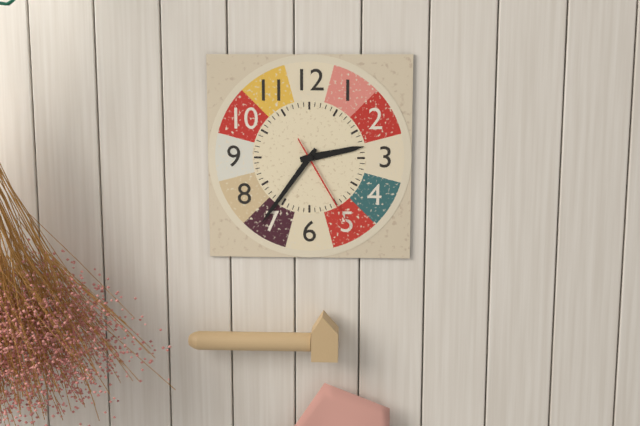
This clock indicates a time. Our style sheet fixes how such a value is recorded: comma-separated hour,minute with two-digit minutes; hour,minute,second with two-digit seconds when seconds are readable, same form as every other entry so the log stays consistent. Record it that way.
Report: 2,36,25
